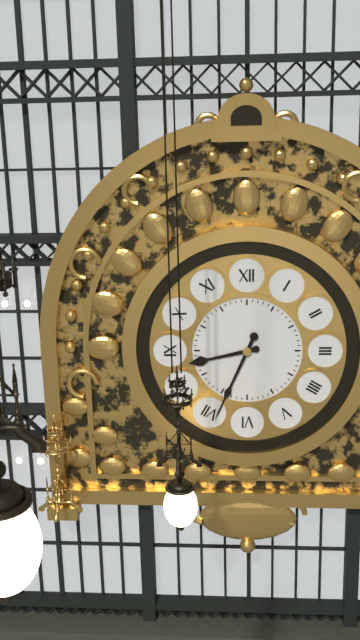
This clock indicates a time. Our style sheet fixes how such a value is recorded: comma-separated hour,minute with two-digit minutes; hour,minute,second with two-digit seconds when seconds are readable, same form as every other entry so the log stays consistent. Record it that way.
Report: 8,34
